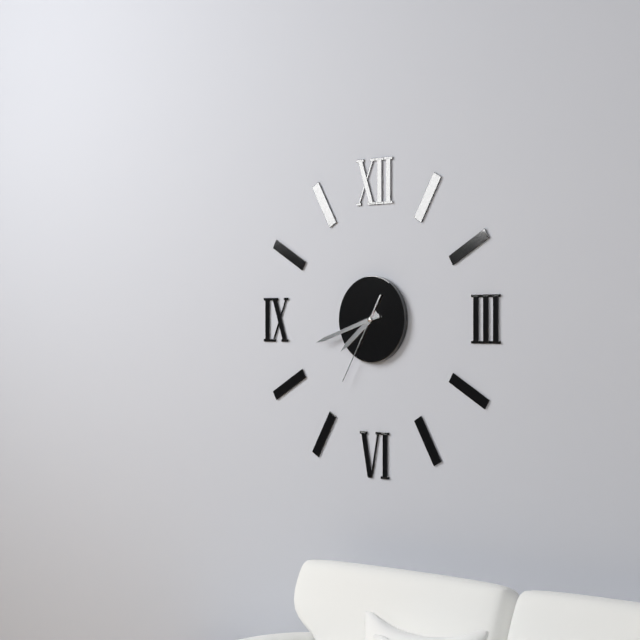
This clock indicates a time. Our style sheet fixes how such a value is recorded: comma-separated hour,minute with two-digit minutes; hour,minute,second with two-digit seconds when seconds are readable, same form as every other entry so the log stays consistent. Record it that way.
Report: 7,42,35
